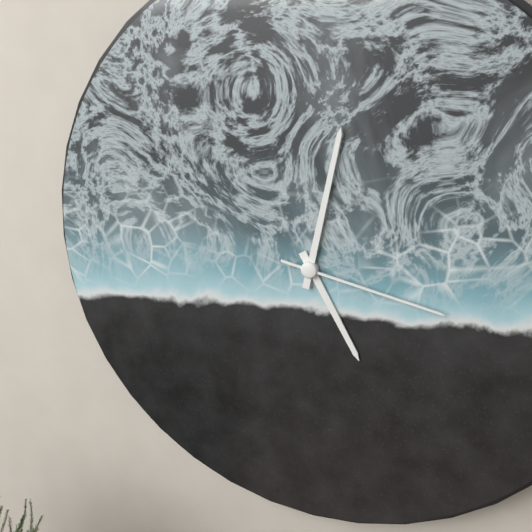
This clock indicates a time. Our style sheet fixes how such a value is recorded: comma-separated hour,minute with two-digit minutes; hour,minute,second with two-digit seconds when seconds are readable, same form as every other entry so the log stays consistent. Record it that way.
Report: 5,02,17
